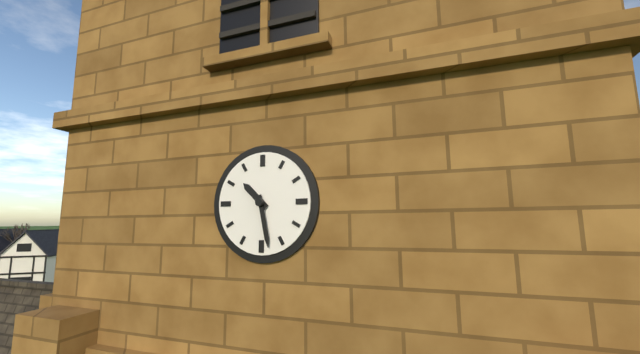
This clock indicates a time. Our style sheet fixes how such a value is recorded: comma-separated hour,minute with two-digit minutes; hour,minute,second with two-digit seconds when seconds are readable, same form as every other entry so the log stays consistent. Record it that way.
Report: 10,28
